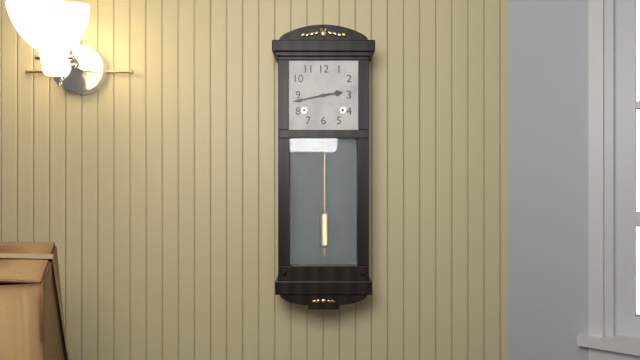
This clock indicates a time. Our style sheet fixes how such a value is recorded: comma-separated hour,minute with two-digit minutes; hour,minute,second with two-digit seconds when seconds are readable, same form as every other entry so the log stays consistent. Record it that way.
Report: 2,43
